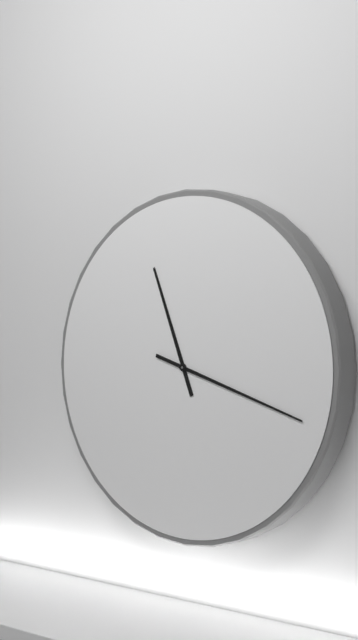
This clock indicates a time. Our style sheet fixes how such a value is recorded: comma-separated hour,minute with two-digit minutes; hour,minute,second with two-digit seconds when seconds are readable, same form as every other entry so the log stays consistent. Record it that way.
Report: 11,18
